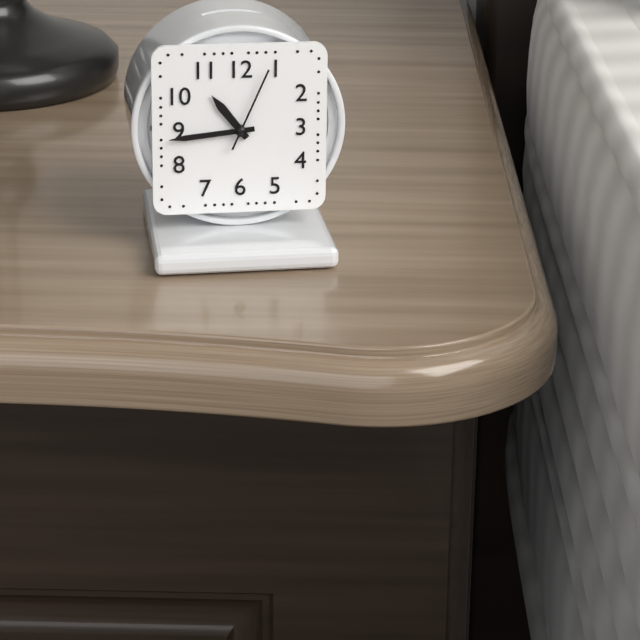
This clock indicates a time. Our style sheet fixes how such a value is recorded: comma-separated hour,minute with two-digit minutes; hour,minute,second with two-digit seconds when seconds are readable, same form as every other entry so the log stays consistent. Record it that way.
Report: 10,44,04
